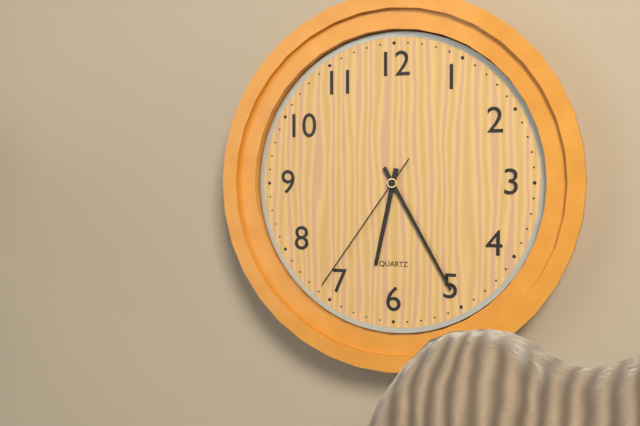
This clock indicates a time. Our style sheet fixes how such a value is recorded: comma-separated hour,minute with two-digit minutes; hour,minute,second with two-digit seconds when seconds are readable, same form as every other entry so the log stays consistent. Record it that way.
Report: 6,25,36
